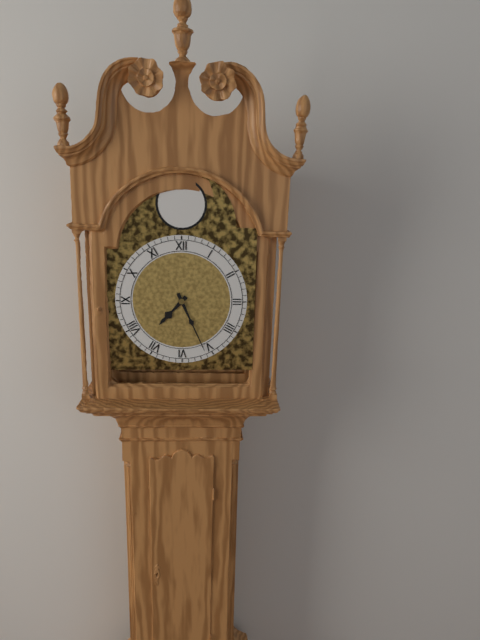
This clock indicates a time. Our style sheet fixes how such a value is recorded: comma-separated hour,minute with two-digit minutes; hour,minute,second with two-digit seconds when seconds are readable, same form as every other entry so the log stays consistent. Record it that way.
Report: 7,26
